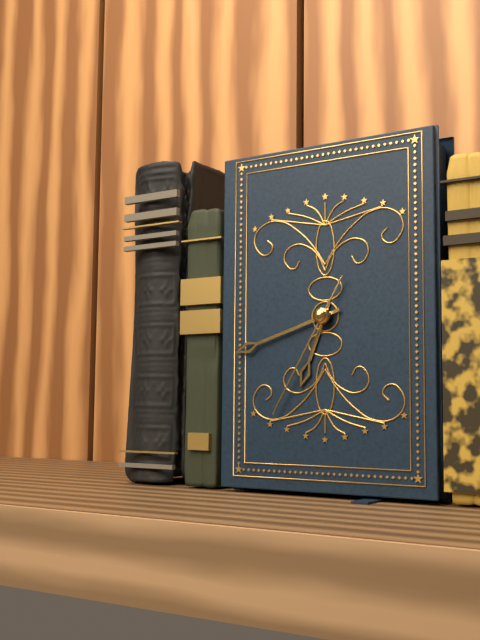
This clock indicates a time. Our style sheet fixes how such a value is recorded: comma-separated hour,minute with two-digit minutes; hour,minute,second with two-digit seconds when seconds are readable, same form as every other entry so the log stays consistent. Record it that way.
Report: 6,42,35
